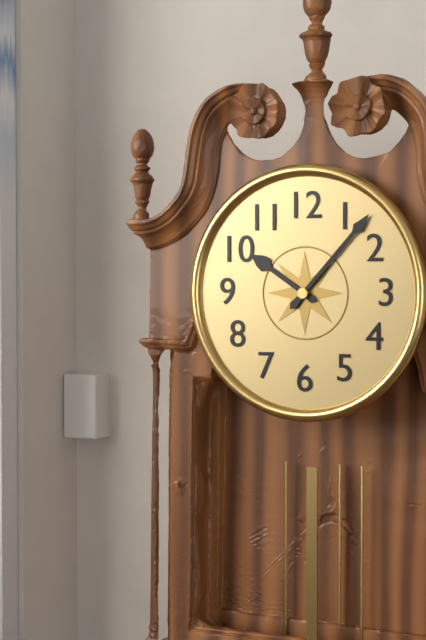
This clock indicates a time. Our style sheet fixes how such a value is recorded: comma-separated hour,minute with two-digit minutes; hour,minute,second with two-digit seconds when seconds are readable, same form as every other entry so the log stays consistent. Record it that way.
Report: 10,07
